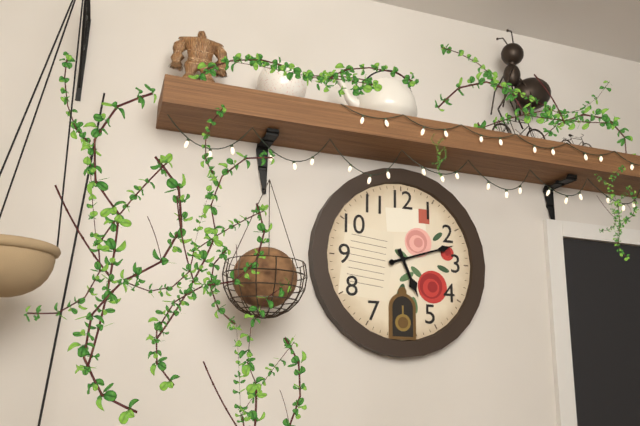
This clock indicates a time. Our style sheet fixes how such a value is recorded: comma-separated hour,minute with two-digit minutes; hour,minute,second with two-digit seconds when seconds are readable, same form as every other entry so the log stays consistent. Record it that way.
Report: 5,12
